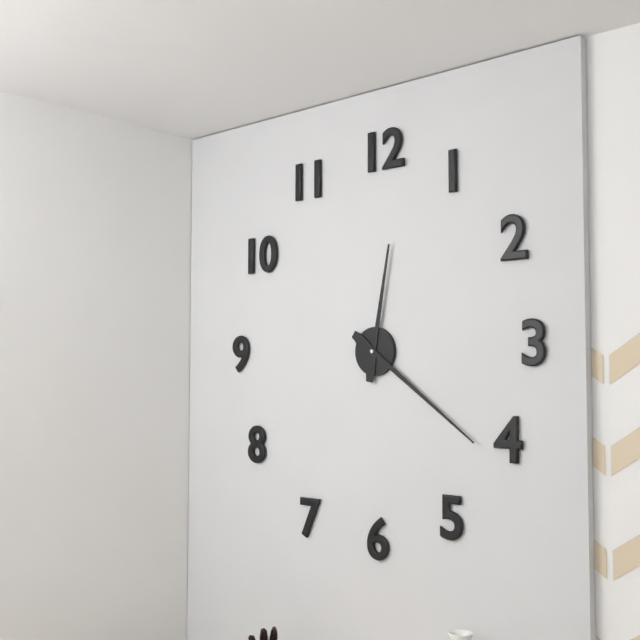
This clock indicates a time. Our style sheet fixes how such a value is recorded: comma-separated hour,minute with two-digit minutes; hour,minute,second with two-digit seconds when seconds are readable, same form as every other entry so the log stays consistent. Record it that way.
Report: 12,21
